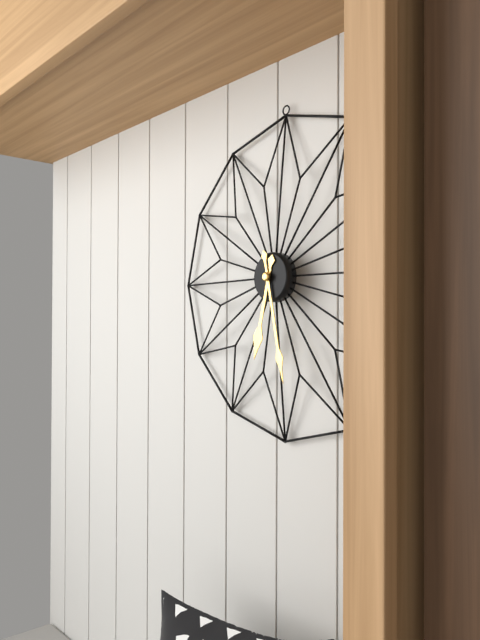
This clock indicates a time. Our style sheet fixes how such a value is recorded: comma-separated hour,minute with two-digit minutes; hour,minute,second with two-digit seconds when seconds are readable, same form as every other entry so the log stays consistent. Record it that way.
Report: 6,28
